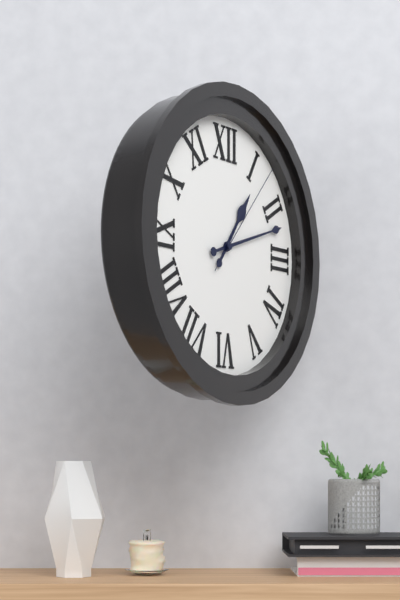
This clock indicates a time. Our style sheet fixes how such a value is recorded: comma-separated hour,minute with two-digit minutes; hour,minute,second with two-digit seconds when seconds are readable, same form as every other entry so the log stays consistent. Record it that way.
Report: 1,12,07
